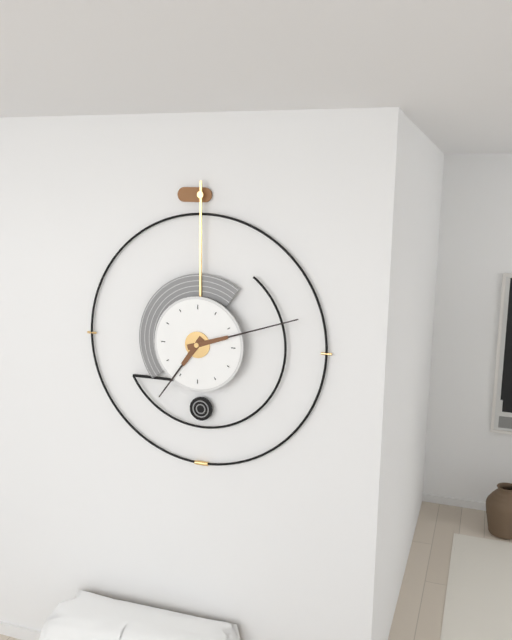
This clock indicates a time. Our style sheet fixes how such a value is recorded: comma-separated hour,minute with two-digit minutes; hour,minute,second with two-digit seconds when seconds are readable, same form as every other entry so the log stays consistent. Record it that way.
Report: 7,12
